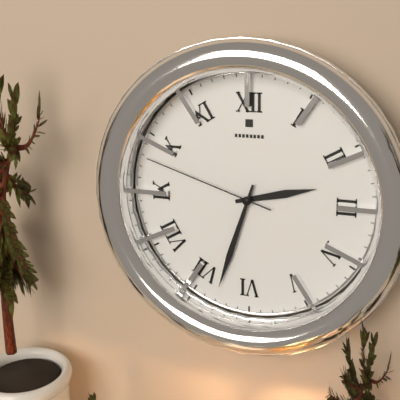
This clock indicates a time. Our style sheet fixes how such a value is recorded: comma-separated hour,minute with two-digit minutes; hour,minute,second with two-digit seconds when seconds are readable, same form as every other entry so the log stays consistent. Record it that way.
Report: 2,33,48
